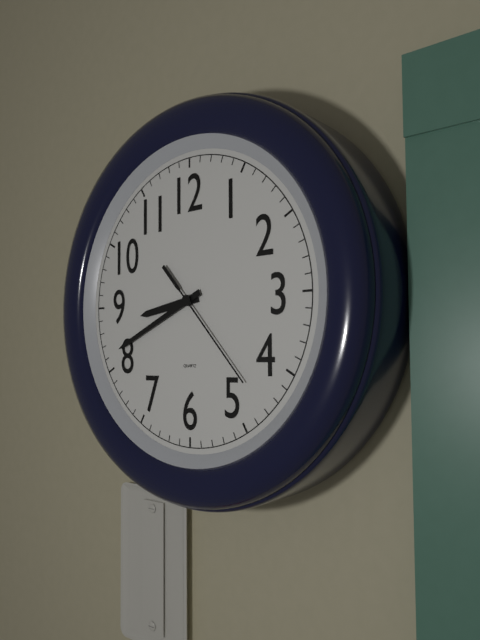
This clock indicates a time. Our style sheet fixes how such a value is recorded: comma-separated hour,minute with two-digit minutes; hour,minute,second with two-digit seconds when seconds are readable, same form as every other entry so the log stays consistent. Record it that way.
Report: 8,41,23
